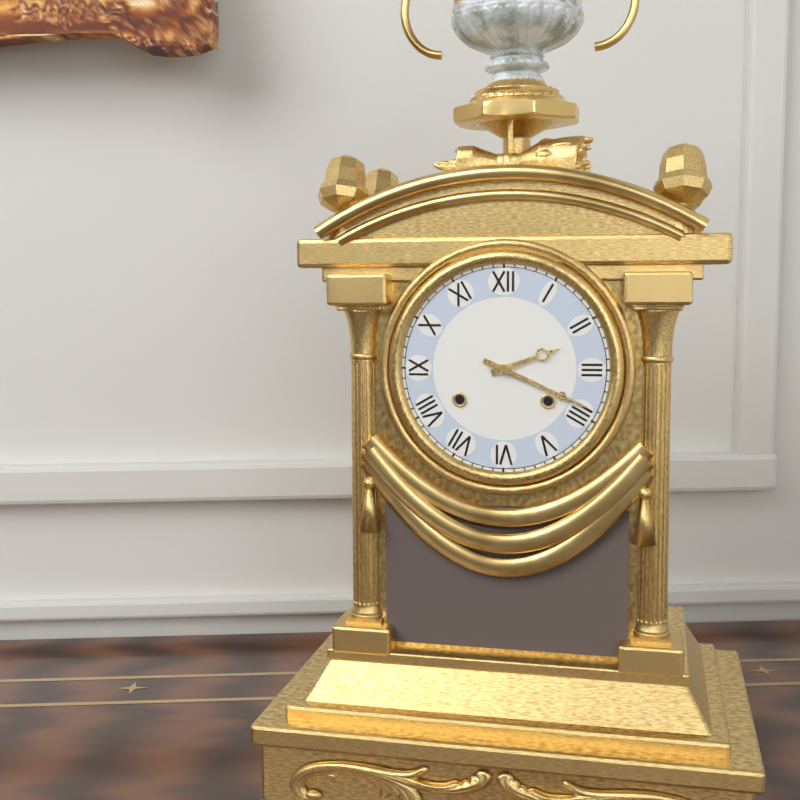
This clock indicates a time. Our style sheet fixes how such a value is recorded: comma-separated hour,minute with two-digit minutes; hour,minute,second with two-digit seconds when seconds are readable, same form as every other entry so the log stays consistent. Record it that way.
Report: 2,19
